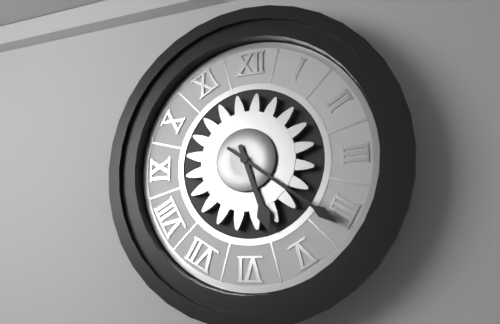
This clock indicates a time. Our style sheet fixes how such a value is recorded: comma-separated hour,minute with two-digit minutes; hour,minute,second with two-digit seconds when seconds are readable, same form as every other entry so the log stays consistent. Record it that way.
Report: 5,21
